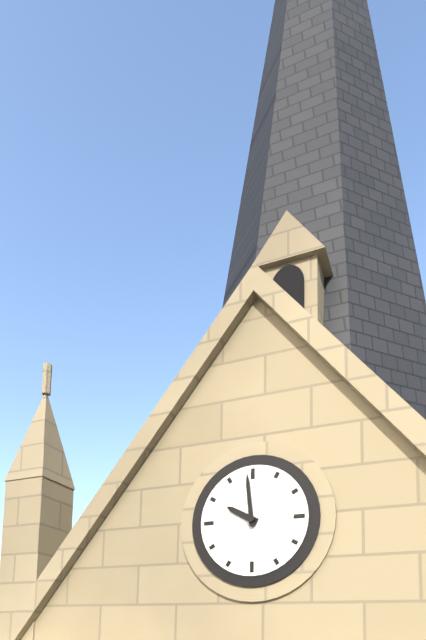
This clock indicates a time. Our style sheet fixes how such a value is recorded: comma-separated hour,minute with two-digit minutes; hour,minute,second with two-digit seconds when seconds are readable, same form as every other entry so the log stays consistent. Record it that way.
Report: 9,59
